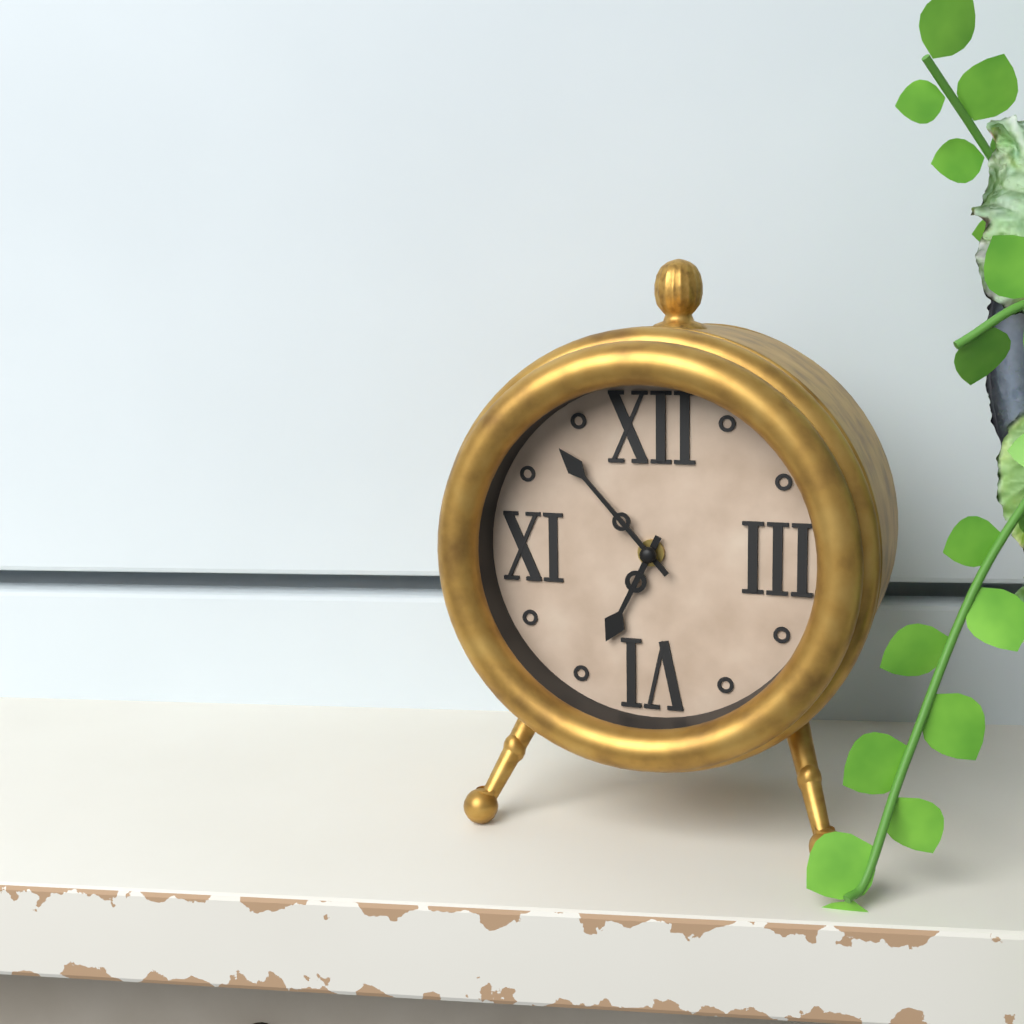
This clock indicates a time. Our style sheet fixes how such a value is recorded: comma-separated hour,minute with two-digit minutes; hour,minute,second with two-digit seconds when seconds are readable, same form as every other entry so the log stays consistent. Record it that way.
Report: 6,53
